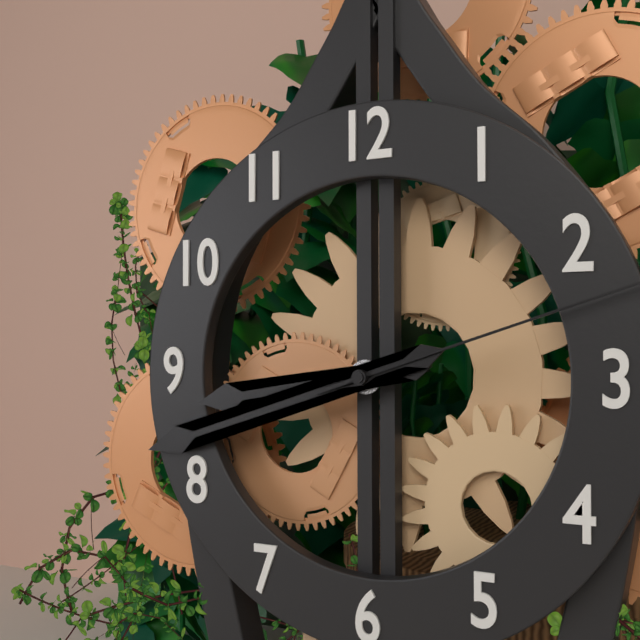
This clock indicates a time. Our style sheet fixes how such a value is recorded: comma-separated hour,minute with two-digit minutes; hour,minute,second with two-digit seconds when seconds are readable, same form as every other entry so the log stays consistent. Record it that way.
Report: 8,42
